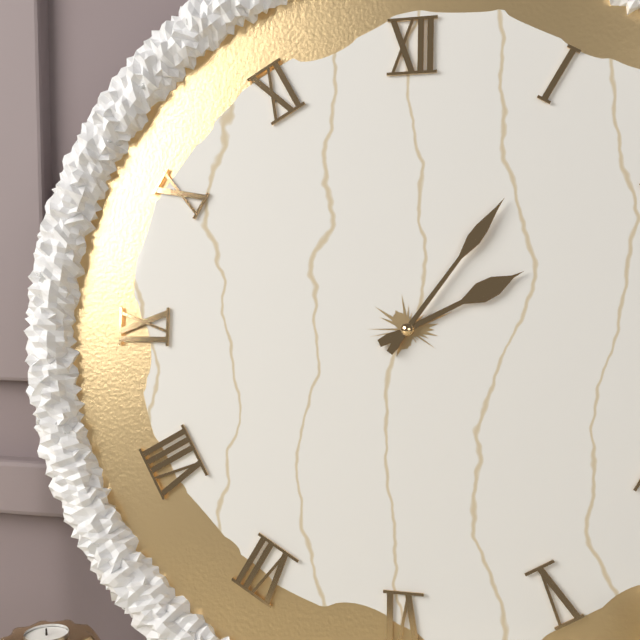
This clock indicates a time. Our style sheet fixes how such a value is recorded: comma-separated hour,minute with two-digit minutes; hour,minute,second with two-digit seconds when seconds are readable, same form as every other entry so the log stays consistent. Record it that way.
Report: 2,06
